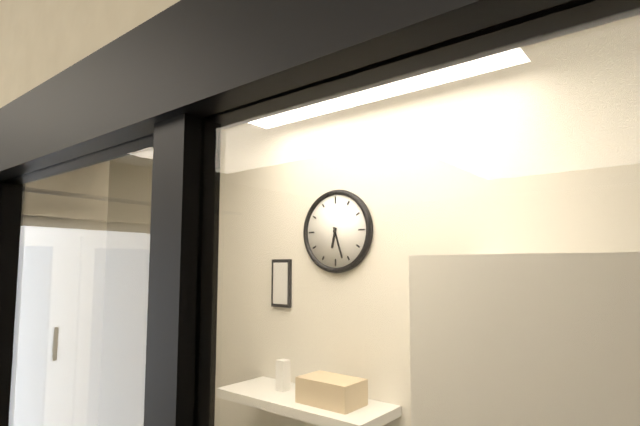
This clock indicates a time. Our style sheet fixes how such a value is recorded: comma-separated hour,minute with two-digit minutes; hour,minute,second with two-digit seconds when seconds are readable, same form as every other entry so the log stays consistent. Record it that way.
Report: 6,27
